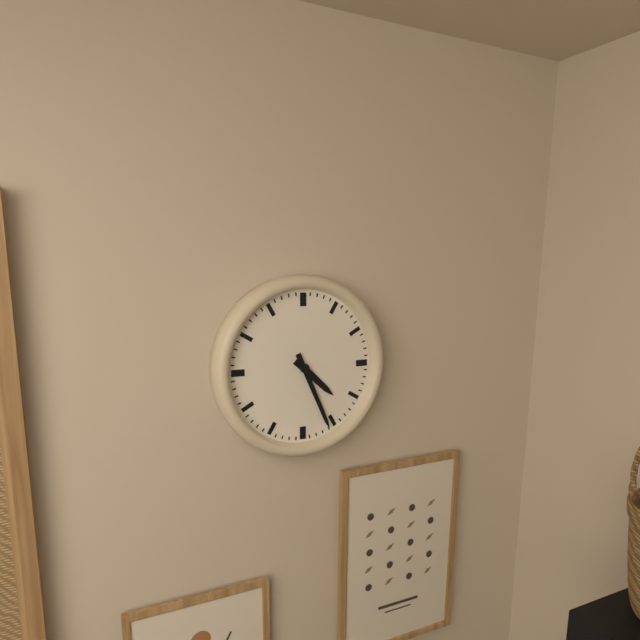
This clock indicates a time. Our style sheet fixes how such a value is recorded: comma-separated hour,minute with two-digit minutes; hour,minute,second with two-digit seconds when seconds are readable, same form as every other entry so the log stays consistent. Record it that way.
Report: 4,26
